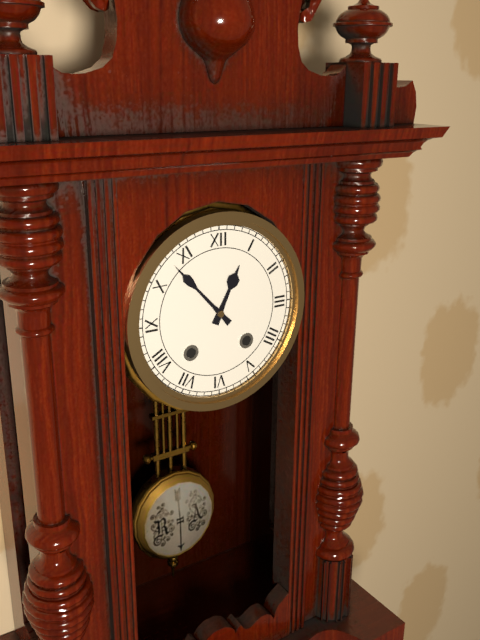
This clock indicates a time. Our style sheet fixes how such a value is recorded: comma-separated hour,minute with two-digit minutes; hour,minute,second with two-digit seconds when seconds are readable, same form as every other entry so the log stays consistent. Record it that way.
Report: 12,53
